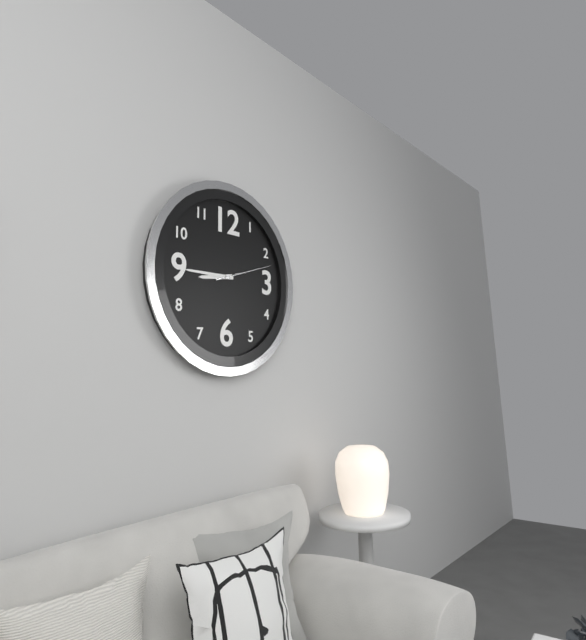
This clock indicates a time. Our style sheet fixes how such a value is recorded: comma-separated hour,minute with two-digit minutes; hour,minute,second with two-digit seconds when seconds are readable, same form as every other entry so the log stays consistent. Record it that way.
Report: 8,45,12
